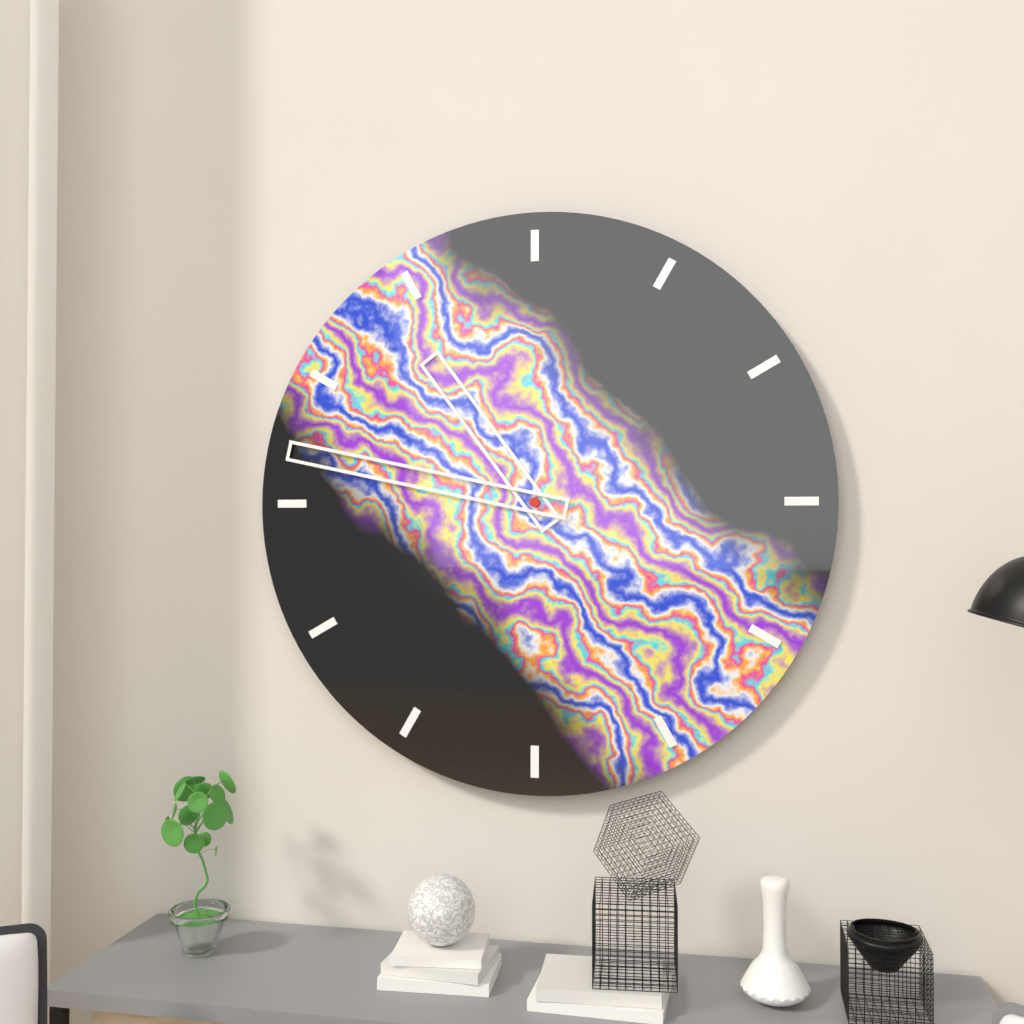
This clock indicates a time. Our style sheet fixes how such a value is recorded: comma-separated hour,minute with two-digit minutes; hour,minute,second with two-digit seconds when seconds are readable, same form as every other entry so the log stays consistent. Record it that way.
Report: 10,47
